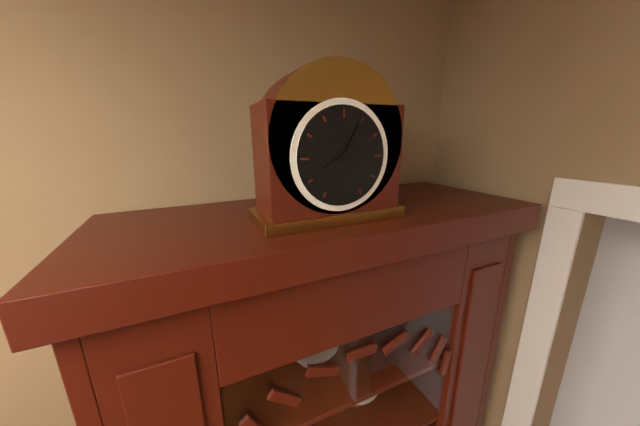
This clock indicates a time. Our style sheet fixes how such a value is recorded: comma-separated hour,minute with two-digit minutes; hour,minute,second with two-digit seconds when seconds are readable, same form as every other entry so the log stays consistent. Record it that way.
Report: 8,05
